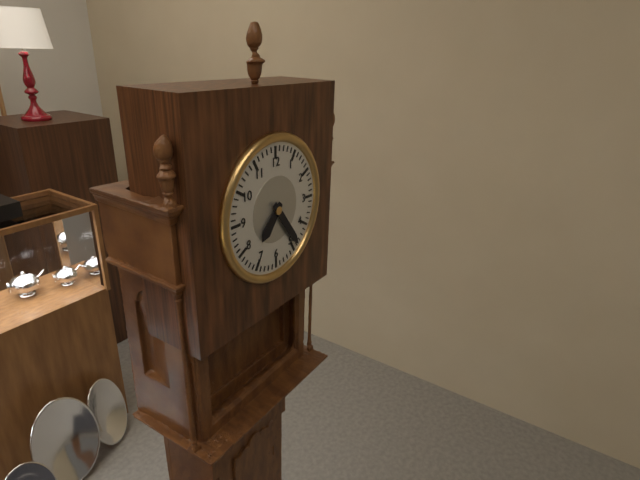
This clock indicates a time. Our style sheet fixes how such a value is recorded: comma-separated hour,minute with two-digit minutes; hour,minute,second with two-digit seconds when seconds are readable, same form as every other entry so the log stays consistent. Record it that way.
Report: 7,24
